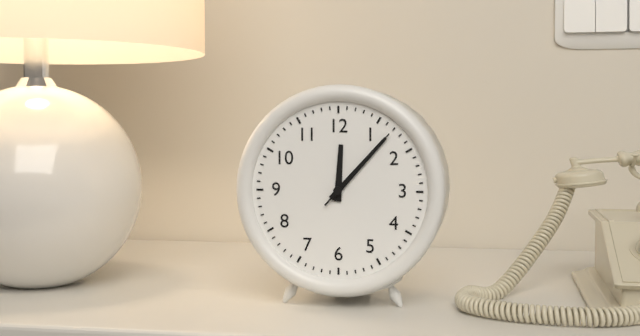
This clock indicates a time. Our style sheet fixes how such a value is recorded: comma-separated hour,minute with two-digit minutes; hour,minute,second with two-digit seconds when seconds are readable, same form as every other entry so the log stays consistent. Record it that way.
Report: 12,07,07
